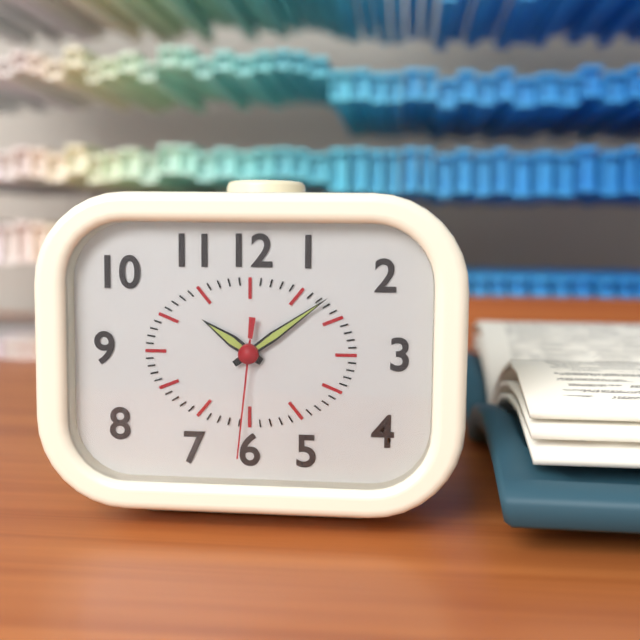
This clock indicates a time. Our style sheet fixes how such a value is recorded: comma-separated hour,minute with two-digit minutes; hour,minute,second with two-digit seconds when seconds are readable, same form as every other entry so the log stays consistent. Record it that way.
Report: 10,09,31
